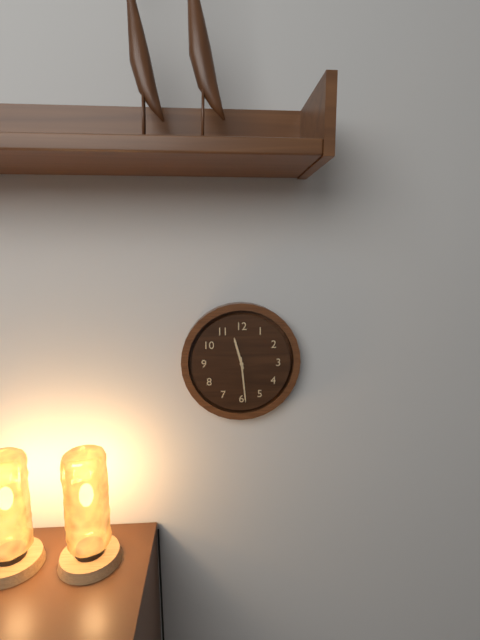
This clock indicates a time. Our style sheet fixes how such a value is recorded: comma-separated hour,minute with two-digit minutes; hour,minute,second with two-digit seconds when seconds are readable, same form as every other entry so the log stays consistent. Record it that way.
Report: 11,29
